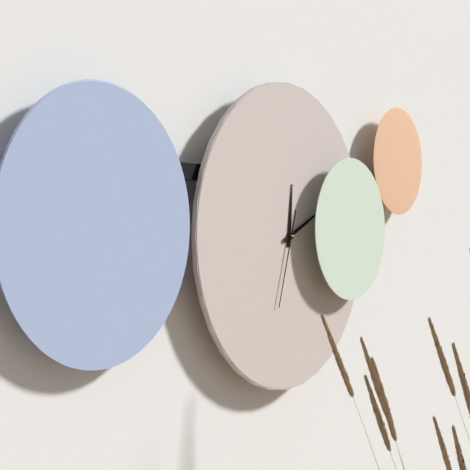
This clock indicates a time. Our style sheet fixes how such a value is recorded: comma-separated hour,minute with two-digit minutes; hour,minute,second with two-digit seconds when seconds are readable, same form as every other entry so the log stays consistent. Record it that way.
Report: 12,11,33
